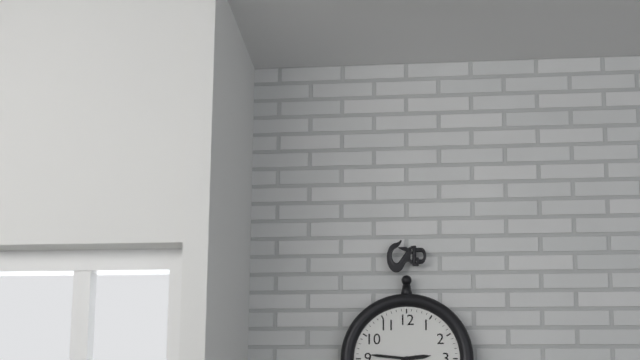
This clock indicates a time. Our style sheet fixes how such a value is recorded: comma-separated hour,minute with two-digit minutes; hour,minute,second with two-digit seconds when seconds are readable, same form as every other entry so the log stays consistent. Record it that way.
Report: 2,46
